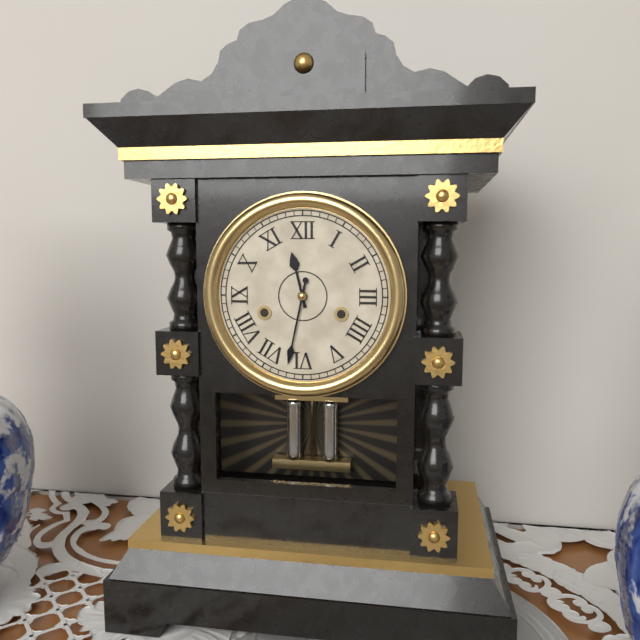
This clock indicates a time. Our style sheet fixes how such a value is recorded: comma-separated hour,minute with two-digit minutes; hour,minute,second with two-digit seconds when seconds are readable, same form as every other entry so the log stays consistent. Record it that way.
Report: 11,32
